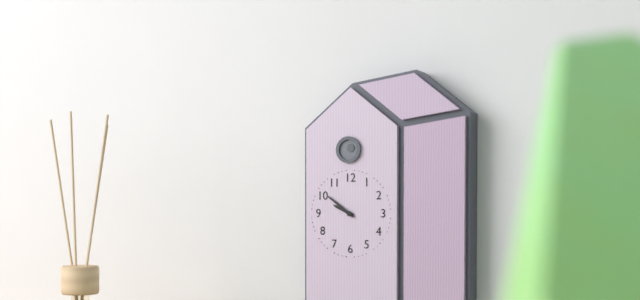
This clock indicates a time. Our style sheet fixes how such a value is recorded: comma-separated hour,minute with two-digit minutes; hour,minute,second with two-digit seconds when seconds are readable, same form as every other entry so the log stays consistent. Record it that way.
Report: 9,51
